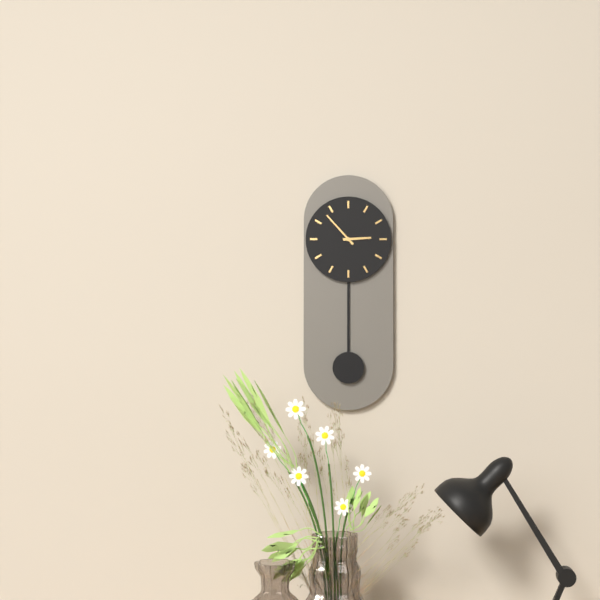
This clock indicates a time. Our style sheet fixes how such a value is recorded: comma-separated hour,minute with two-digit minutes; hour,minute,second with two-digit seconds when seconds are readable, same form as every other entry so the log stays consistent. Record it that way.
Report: 2,53
